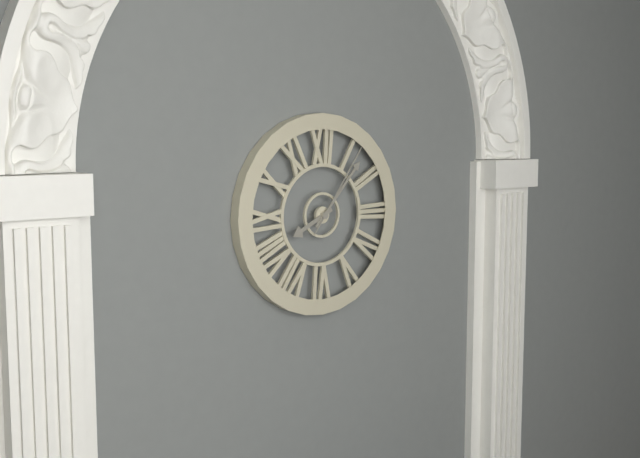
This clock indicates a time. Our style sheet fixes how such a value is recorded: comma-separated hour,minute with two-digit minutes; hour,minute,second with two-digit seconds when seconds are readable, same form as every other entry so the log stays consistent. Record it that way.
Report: 8,07,06
